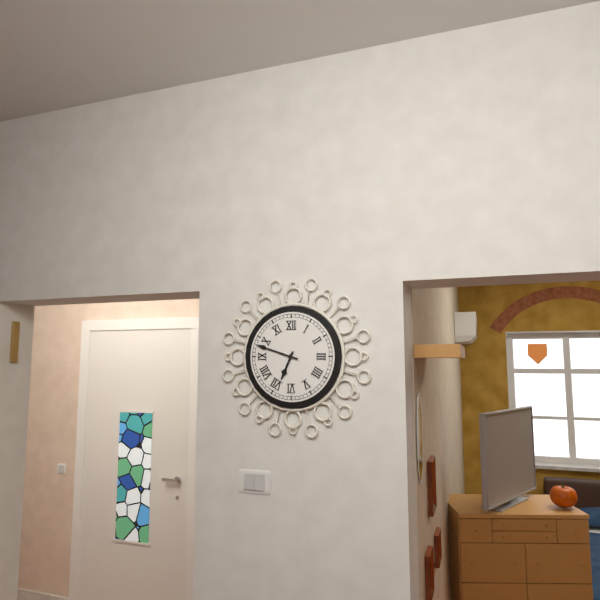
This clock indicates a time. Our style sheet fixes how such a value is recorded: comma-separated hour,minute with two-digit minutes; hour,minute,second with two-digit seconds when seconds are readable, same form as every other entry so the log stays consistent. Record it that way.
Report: 6,48
